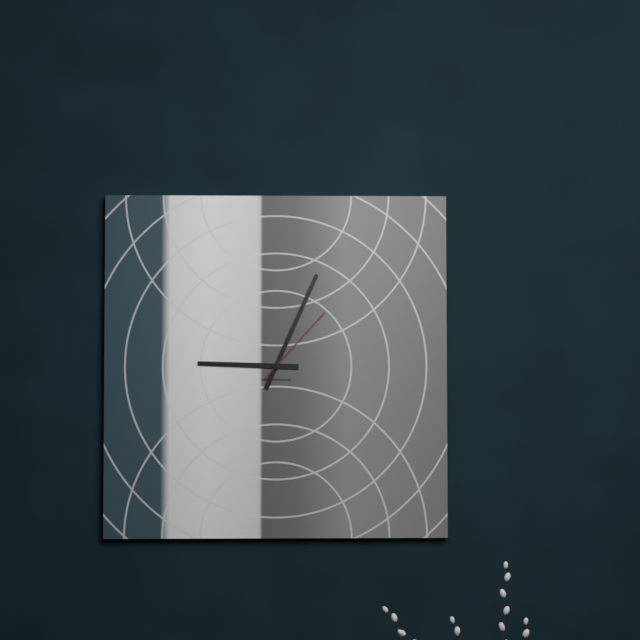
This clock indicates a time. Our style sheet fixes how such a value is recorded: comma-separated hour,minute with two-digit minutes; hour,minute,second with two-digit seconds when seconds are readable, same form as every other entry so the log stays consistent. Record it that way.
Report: 9,04,07
